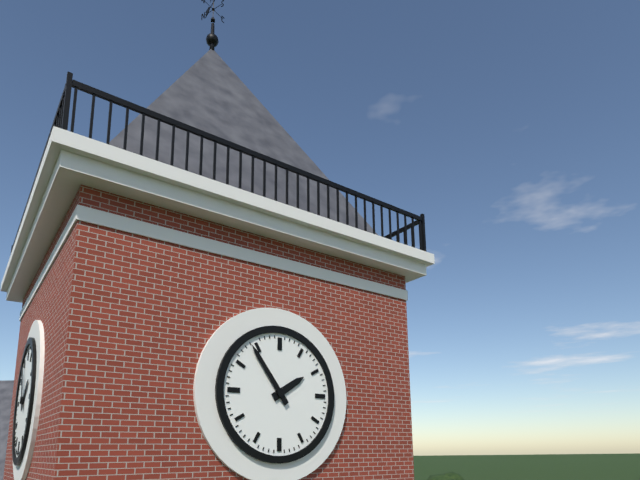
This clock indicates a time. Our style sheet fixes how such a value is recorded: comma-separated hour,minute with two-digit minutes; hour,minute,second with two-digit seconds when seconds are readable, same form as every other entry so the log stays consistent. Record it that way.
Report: 1,54
